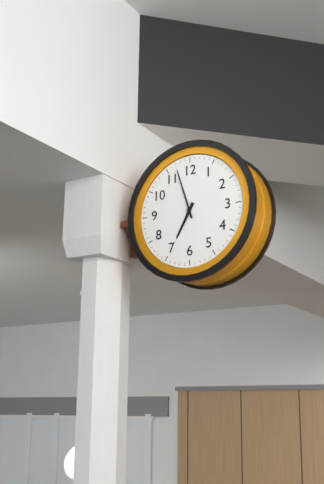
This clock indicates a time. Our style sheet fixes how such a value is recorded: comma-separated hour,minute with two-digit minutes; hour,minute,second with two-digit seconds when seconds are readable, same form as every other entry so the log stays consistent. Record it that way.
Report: 6,57
